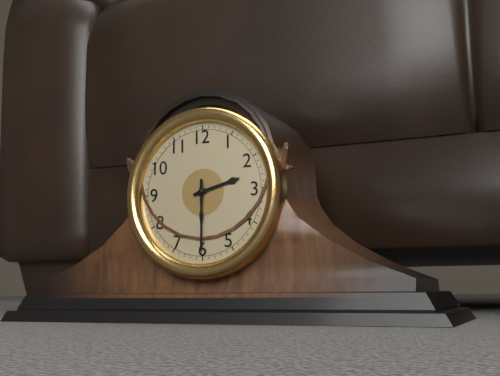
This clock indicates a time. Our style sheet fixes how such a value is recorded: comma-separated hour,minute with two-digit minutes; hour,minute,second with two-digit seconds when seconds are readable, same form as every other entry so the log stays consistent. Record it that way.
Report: 2,30
